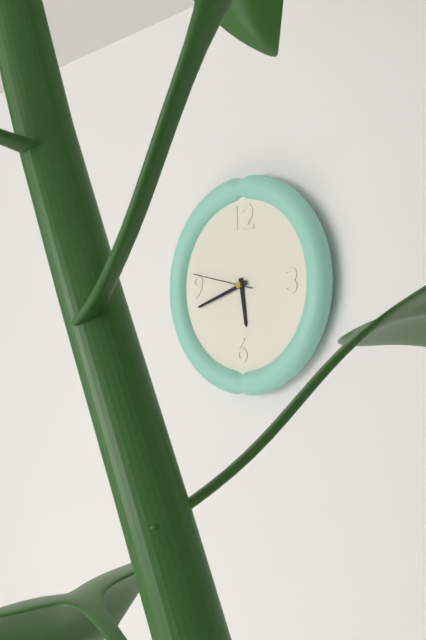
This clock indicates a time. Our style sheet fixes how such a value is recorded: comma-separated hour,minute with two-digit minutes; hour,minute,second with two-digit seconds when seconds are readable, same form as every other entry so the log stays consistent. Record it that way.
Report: 5,42,47
